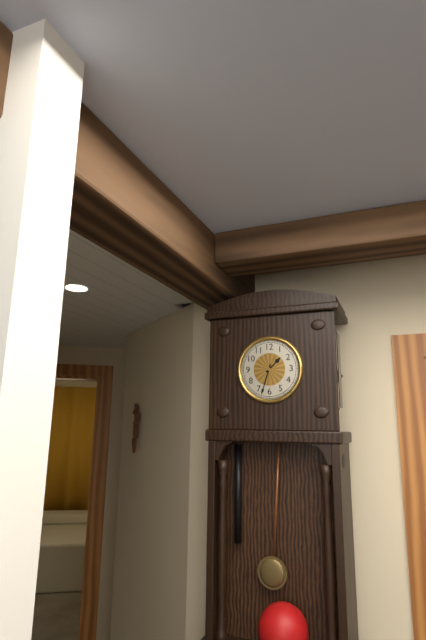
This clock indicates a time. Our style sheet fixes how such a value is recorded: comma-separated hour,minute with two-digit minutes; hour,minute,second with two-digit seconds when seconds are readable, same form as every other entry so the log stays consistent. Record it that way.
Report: 1,33
